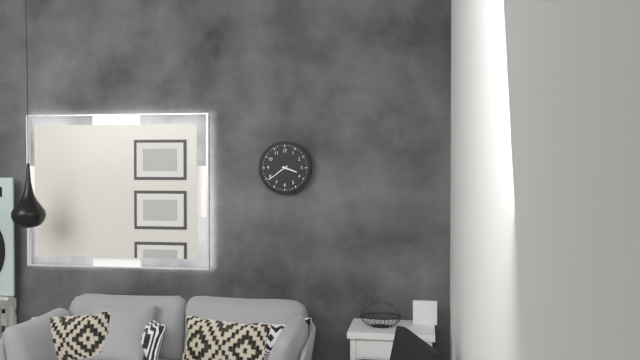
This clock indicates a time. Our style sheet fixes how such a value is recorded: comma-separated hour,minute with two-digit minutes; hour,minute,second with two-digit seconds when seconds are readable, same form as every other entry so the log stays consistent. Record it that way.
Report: 3,39
